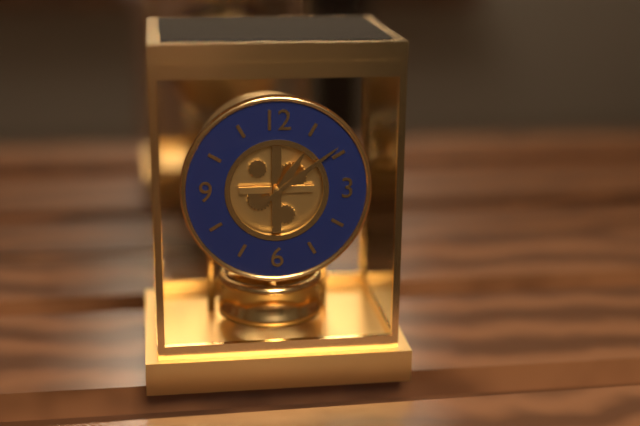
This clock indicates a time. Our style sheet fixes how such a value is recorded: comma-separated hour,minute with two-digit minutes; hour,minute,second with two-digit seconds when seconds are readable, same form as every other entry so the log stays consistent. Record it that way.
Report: 1,09
